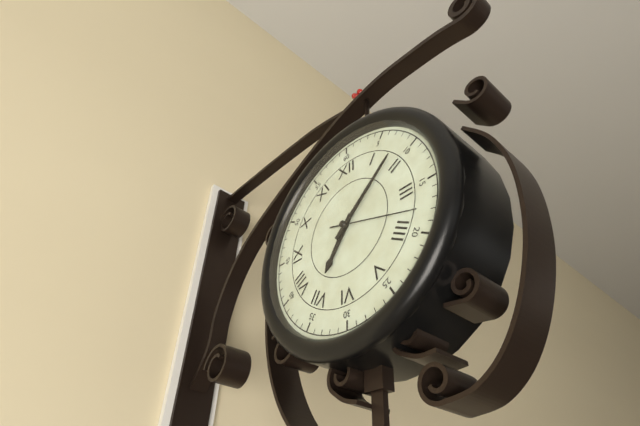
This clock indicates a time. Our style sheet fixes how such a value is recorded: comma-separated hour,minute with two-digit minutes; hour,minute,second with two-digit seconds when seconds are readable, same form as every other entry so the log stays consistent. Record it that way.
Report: 7,08,18
